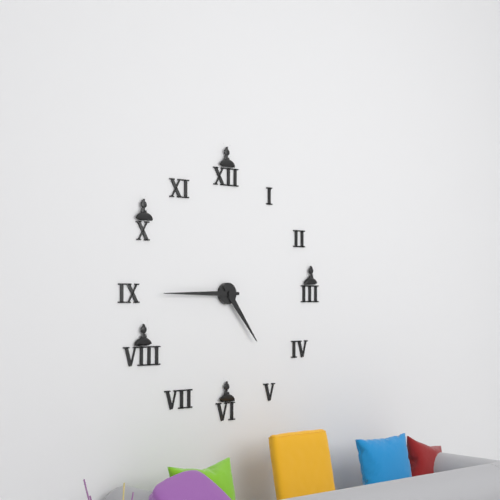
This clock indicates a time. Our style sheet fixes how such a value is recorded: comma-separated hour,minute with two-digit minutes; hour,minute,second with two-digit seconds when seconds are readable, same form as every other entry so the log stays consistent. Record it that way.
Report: 4,45
